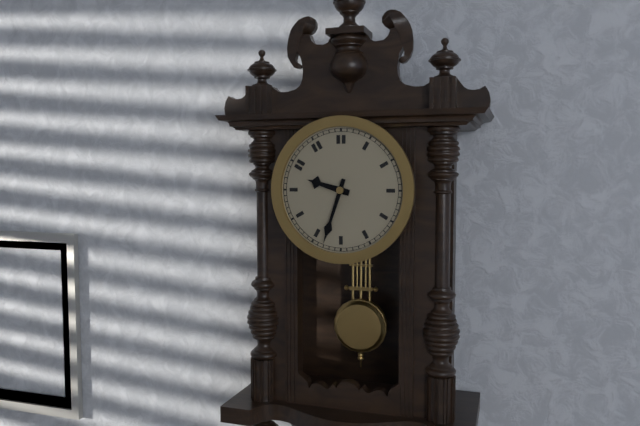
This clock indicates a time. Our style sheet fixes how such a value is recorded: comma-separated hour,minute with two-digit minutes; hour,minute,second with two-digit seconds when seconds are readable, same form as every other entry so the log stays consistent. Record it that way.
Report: 9,33
